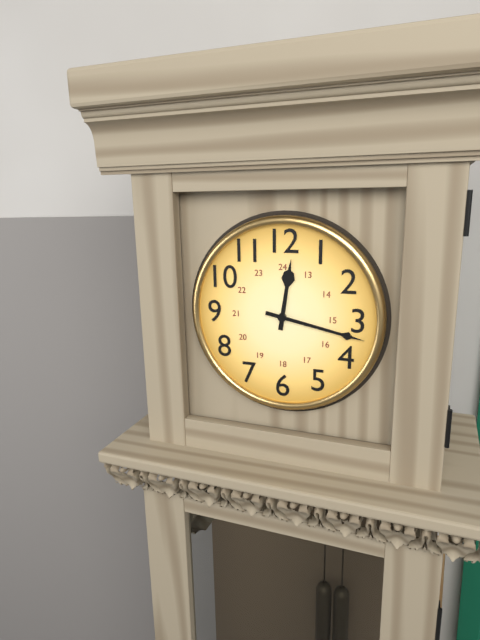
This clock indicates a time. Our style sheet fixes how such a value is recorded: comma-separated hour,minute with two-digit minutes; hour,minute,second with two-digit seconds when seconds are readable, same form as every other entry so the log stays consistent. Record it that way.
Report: 12,17
